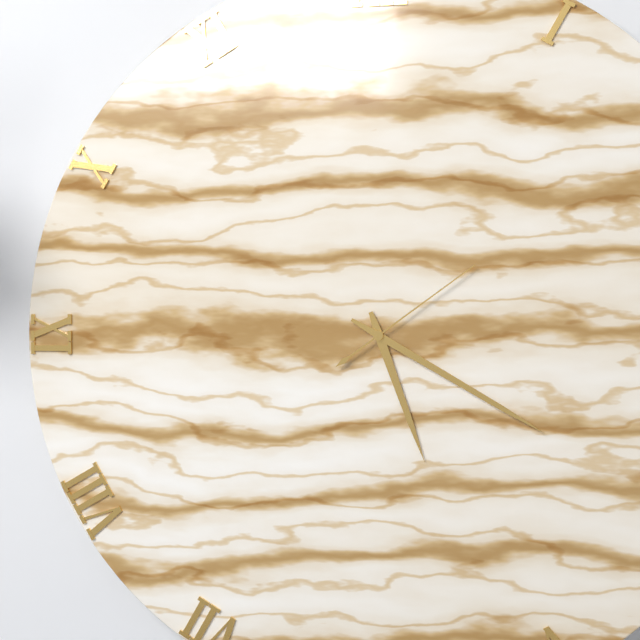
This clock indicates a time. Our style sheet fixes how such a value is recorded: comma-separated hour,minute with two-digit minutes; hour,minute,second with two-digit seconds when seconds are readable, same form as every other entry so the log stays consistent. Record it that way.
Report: 5,20,09
